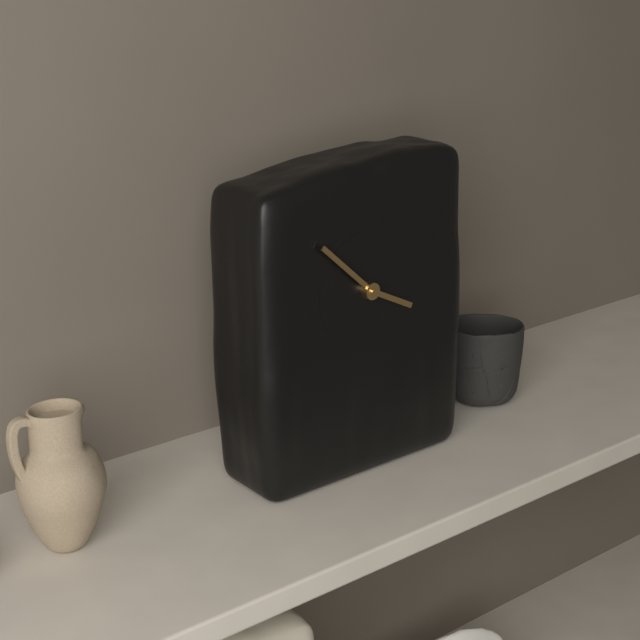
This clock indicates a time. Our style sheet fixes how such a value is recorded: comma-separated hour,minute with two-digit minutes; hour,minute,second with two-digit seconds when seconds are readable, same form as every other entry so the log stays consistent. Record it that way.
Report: 3,52
